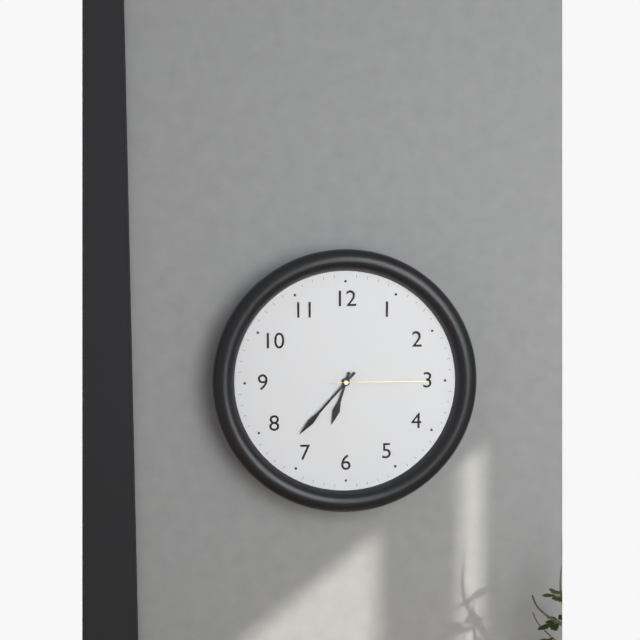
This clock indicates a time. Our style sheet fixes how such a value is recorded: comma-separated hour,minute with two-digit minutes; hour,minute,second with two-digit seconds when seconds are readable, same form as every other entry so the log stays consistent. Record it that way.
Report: 6,37,15
